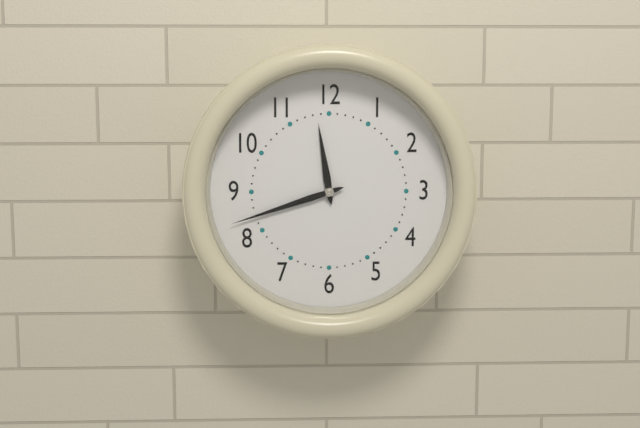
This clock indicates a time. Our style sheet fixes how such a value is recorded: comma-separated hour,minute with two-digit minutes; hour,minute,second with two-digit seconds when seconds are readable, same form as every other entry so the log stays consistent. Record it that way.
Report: 11,42
